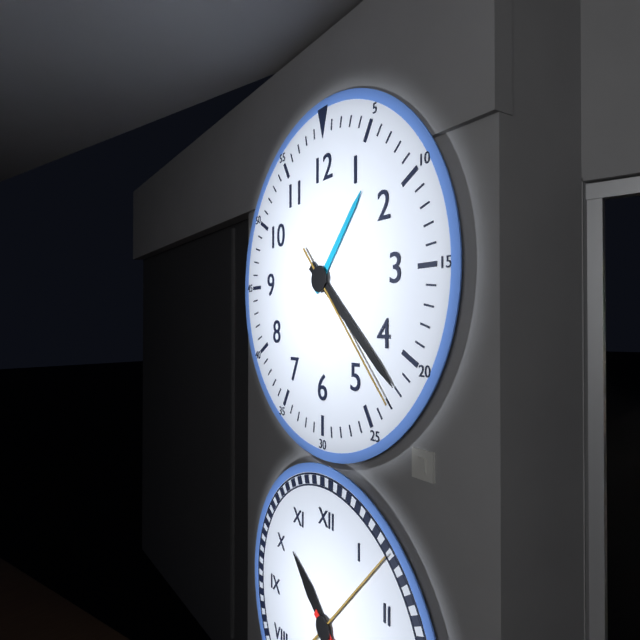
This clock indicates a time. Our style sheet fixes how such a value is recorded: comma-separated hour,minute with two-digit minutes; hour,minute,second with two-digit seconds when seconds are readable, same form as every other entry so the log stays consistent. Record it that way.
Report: 1,22,23
